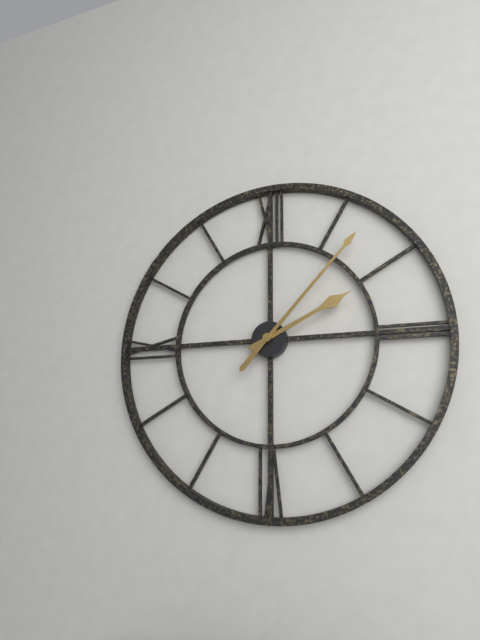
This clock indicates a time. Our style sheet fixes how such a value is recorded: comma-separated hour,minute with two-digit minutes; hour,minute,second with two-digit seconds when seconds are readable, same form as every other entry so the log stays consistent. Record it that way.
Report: 2,07
